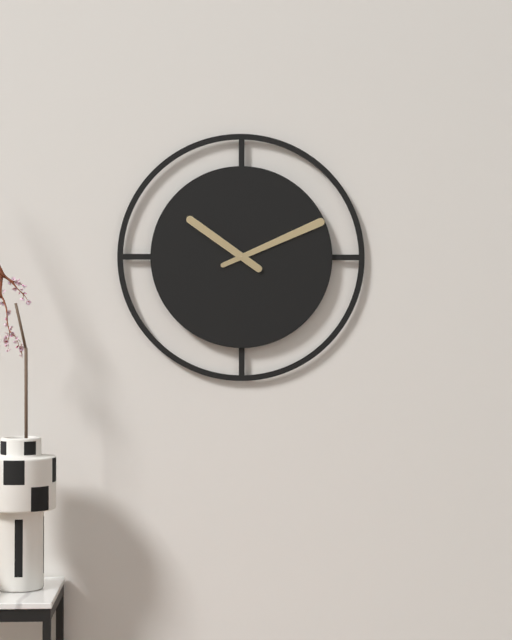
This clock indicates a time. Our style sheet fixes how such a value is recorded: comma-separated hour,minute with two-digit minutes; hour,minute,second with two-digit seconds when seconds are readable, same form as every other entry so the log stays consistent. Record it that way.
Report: 10,11
